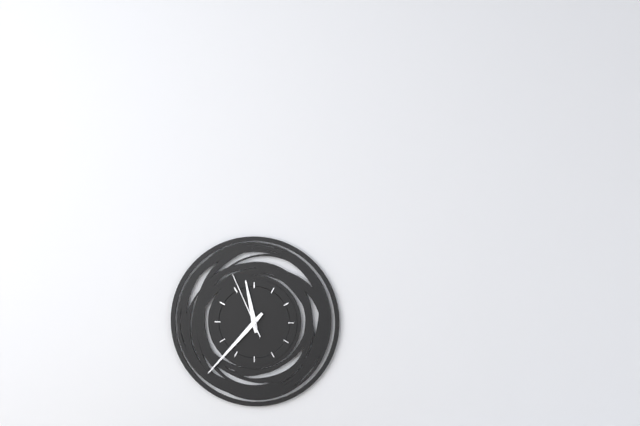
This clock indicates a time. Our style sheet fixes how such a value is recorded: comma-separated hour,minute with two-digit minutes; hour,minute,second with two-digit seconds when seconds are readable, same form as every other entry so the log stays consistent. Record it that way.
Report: 11,37,56
